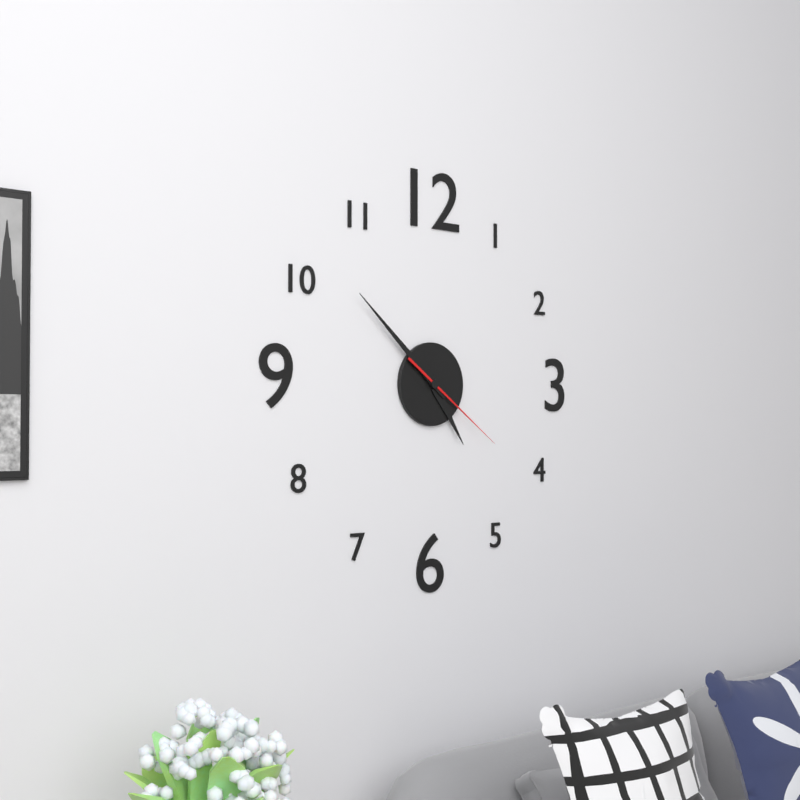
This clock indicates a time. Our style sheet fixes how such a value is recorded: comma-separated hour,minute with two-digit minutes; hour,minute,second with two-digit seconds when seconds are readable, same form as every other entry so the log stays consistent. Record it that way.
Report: 4,52,21
